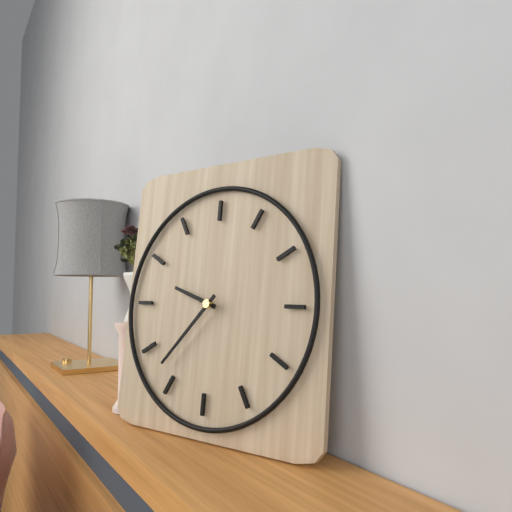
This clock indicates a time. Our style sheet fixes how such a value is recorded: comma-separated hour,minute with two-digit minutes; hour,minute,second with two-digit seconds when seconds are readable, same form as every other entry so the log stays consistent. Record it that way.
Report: 9,37
